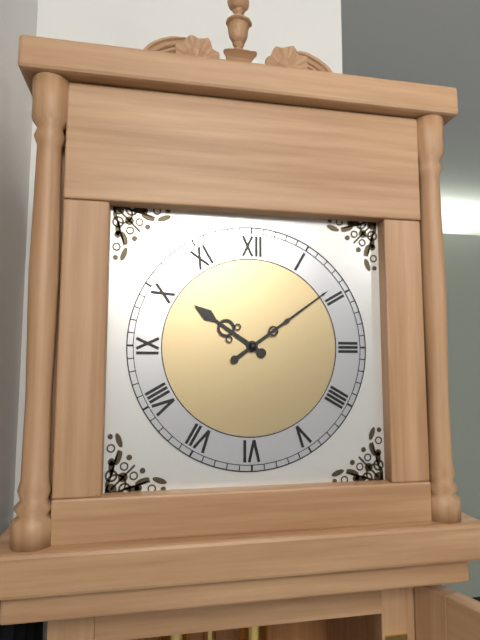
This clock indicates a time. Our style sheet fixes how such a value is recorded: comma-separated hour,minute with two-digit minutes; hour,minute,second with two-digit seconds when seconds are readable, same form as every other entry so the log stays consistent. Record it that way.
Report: 10,09
